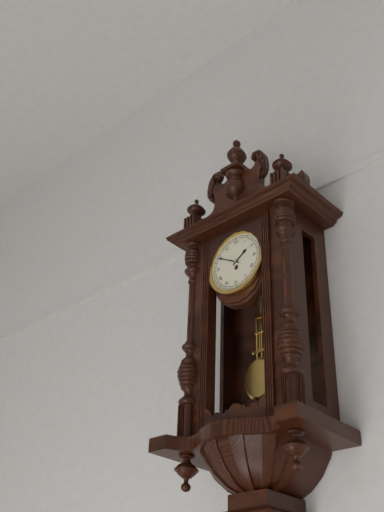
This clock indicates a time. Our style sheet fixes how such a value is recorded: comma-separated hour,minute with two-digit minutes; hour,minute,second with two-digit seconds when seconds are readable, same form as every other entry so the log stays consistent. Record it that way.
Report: 1,50
